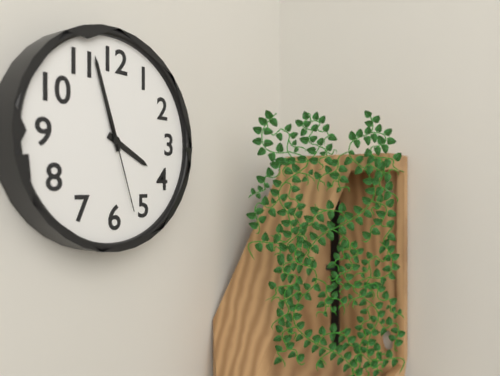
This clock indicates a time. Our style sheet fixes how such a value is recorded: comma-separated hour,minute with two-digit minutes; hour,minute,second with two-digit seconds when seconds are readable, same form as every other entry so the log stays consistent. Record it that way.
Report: 3,57,27
